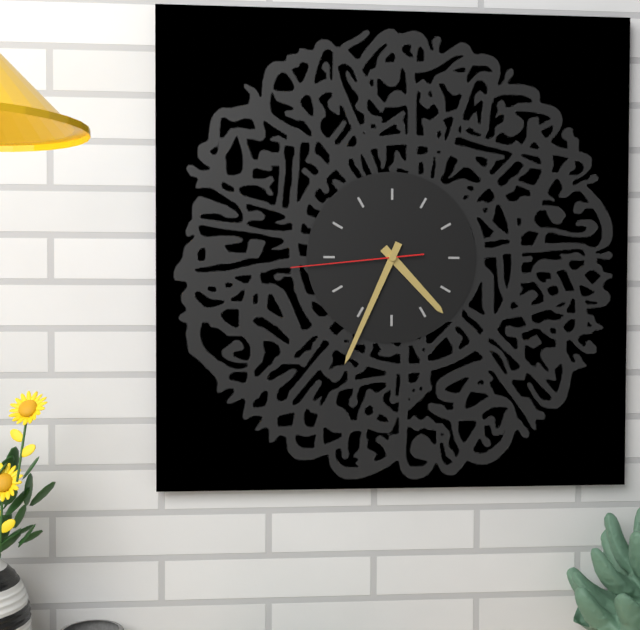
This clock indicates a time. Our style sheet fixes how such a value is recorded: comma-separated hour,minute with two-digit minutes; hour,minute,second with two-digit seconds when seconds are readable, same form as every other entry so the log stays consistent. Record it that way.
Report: 4,34,44
